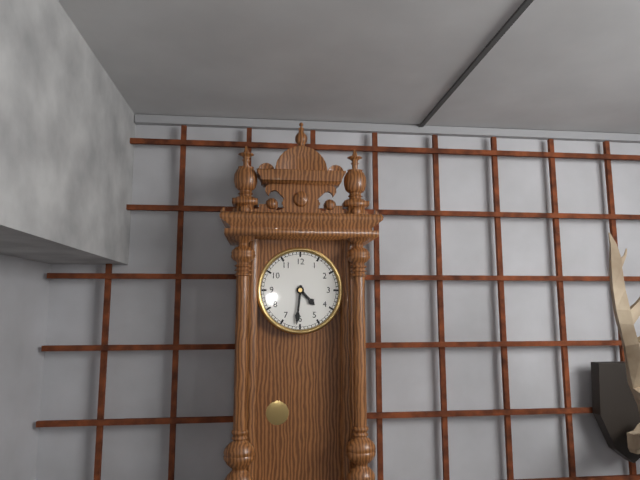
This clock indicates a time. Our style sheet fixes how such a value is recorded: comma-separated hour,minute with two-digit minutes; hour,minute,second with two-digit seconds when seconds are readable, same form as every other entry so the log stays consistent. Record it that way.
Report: 4,31
